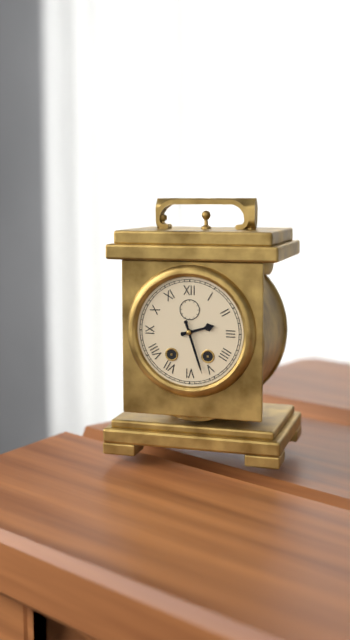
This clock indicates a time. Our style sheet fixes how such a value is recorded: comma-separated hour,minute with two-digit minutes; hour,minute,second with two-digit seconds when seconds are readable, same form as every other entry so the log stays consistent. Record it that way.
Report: 2,27
